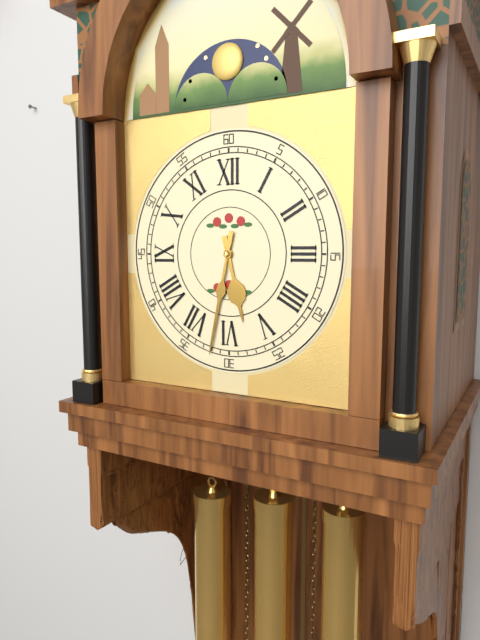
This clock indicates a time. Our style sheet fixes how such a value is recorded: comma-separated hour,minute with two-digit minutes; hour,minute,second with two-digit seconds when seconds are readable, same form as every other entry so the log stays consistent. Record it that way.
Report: 5,32
